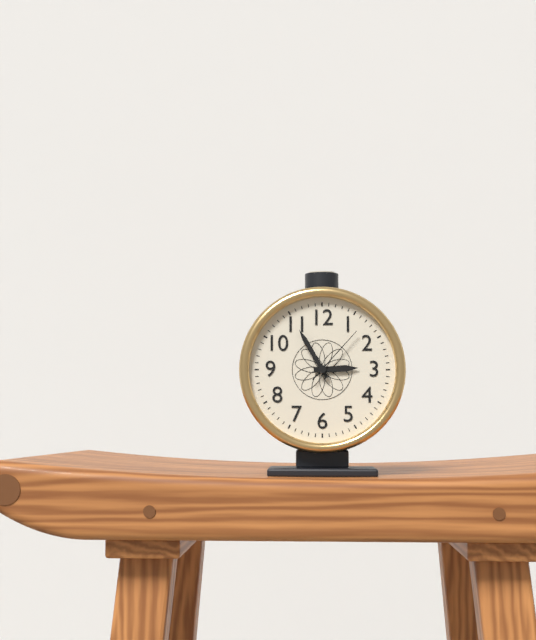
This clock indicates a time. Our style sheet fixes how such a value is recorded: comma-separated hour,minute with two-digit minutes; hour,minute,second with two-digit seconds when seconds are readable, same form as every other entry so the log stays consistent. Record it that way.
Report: 2,55,07
